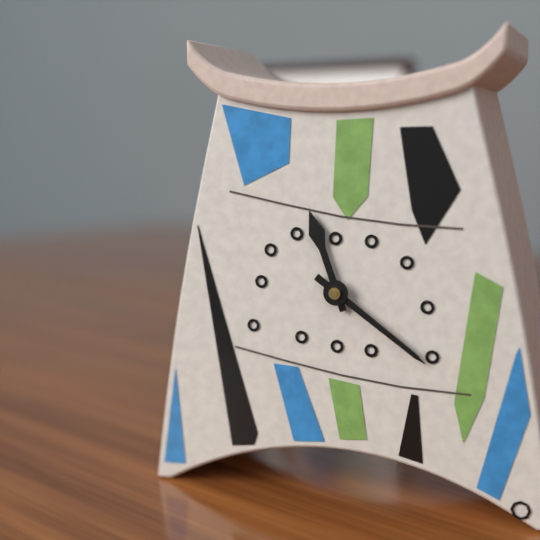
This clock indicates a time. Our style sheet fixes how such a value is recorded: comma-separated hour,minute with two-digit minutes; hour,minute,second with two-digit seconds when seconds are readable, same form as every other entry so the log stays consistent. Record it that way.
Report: 11,21
